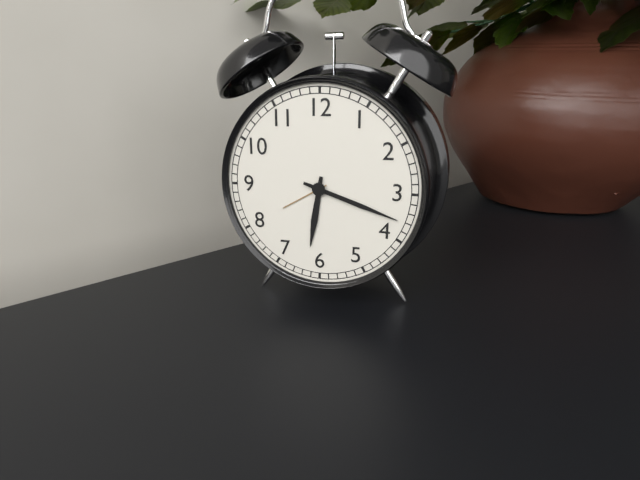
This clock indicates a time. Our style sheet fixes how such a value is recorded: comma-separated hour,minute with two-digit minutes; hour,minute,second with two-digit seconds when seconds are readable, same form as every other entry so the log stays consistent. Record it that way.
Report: 6,18
